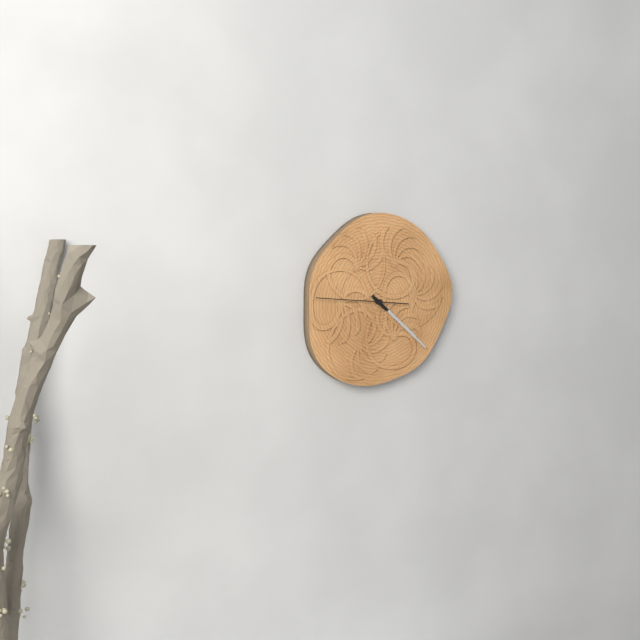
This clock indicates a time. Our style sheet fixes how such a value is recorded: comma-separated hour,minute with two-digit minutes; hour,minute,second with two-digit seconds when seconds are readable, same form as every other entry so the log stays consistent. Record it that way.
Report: 4,22,46
